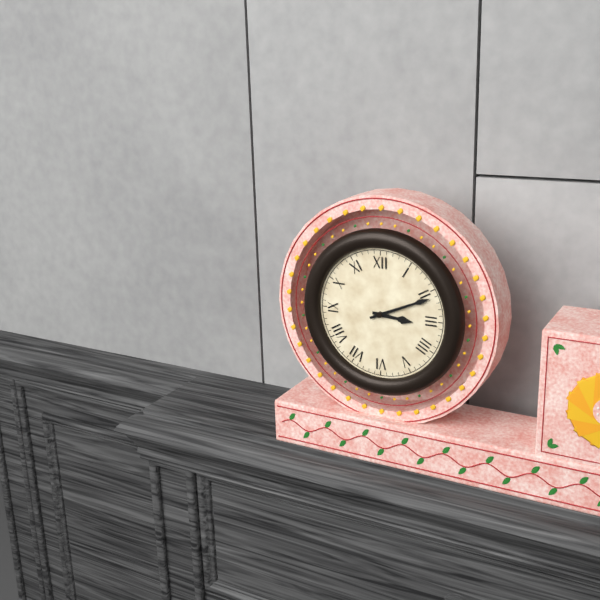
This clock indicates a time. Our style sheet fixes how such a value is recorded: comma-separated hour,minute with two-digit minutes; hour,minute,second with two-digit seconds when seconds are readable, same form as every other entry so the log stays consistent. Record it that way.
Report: 3,11
